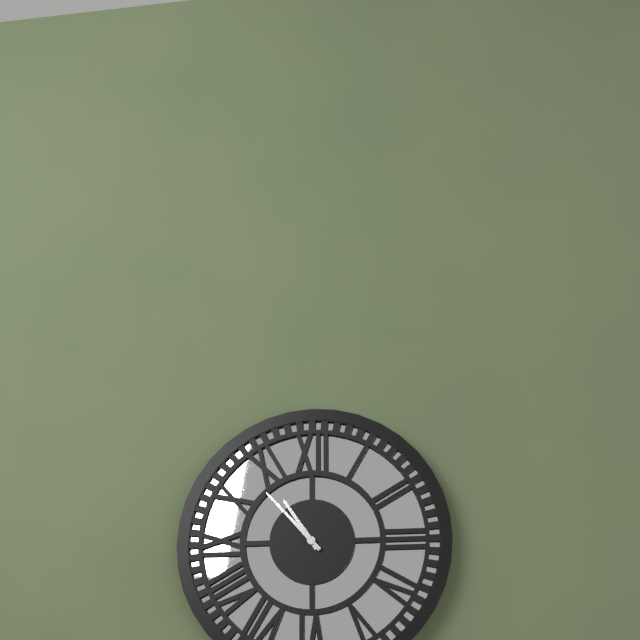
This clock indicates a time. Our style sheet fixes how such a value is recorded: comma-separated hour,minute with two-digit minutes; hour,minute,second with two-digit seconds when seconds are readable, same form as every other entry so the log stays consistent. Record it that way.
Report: 10,53
